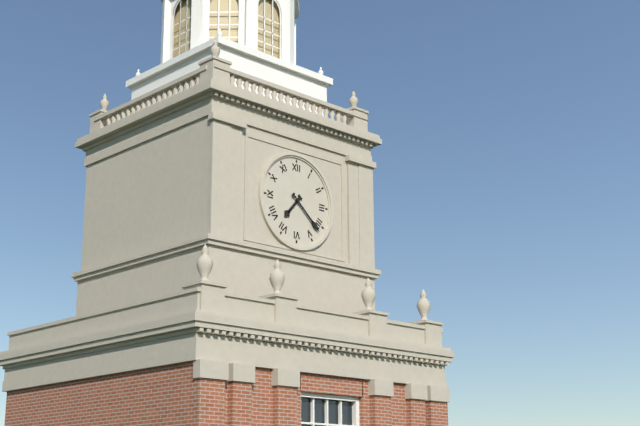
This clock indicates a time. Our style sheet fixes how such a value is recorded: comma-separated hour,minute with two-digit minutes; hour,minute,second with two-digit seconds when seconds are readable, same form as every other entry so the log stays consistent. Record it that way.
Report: 7,22
